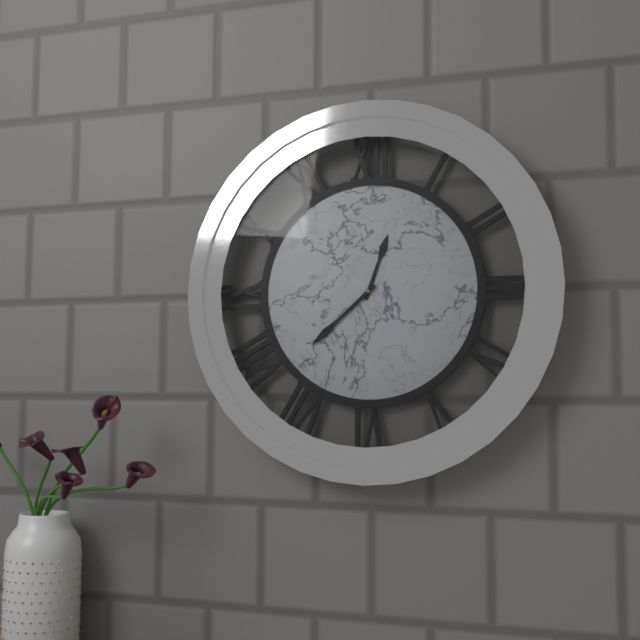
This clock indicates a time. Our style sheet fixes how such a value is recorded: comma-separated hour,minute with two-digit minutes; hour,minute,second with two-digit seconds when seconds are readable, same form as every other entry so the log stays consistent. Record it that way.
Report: 12,38
